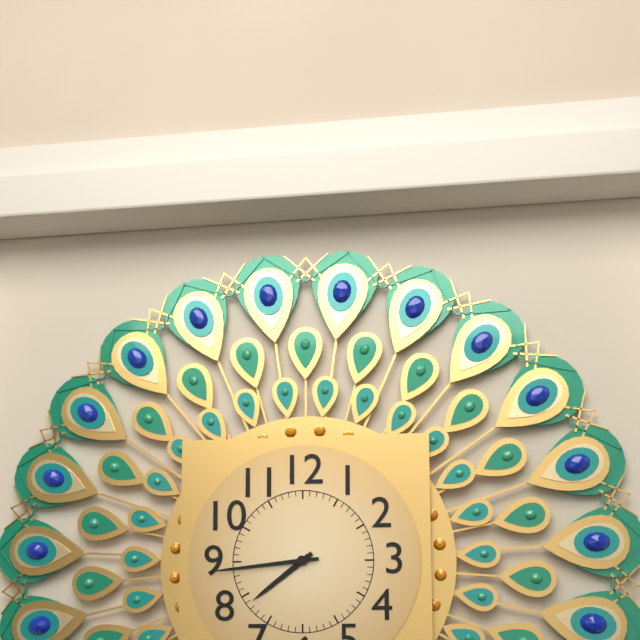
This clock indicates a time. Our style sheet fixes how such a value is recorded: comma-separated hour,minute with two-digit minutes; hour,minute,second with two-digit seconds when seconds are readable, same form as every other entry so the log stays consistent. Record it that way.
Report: 7,44
